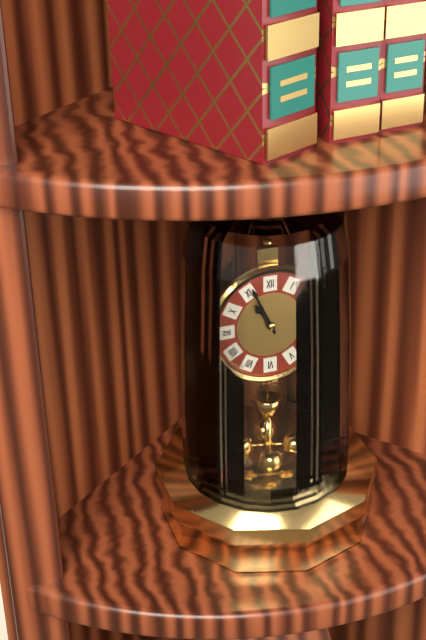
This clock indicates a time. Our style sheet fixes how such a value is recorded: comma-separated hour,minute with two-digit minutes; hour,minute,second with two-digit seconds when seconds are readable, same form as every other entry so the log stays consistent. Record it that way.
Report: 10,56
